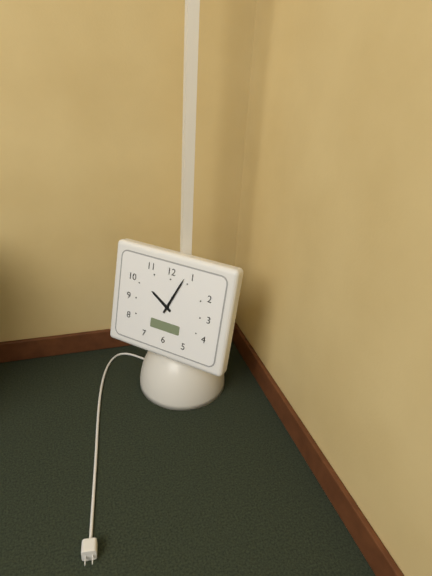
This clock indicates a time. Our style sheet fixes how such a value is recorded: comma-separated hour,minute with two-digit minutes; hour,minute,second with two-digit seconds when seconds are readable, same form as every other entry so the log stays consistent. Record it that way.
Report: 10,04
